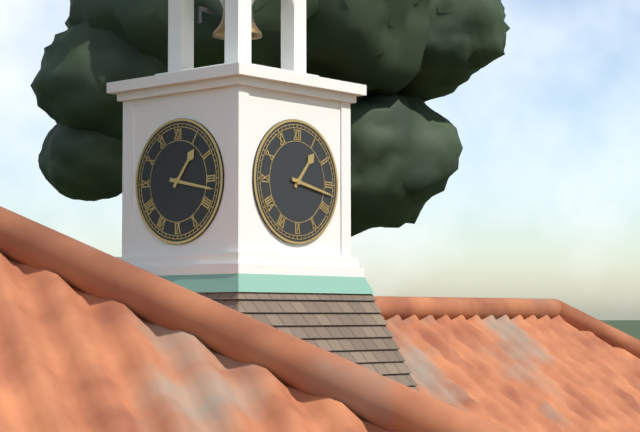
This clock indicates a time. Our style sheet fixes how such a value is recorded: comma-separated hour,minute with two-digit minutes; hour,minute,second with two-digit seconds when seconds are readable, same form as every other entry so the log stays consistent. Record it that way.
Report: 1,17
